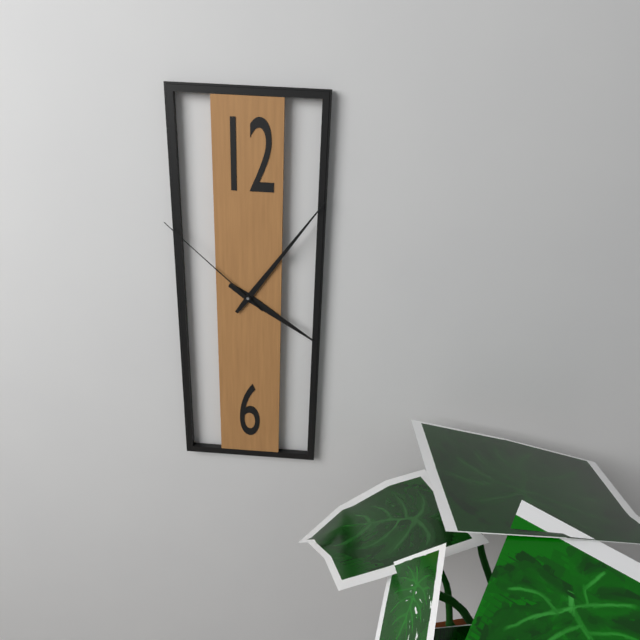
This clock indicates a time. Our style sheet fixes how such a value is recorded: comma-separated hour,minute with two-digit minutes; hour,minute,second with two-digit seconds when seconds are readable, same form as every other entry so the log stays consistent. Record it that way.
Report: 4,06,52
